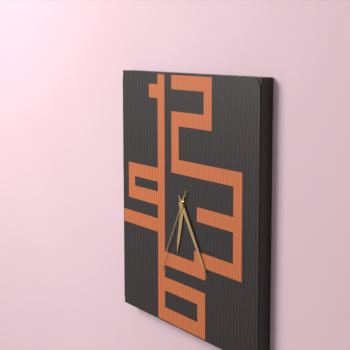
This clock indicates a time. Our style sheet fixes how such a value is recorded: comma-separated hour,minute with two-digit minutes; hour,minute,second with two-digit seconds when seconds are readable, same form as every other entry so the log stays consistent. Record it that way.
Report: 6,24,35
